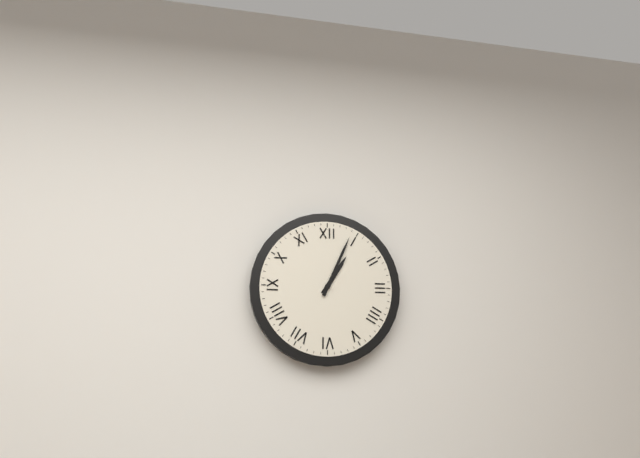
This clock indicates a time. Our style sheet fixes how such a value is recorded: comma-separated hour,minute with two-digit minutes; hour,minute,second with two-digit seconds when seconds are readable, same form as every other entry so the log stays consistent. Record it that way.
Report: 1,04
